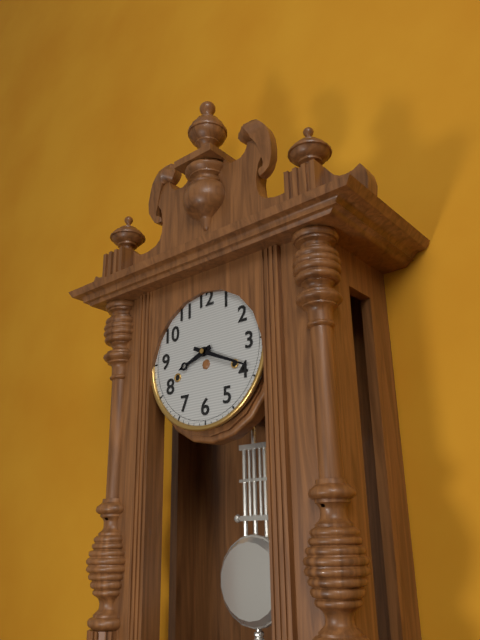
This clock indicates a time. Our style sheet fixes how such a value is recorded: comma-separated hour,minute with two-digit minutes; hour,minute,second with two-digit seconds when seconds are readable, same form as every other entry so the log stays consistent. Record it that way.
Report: 8,19
